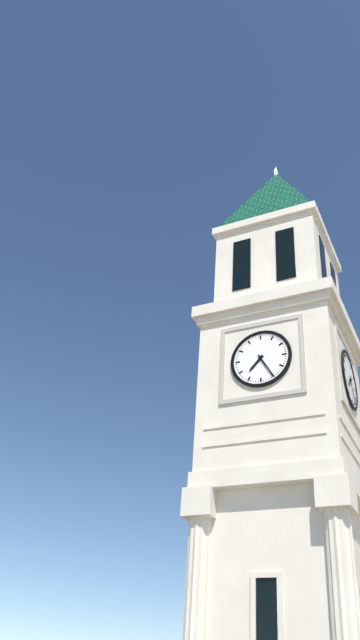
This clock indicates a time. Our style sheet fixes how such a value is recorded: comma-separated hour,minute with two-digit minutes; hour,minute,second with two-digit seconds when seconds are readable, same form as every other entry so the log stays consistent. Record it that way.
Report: 7,25
